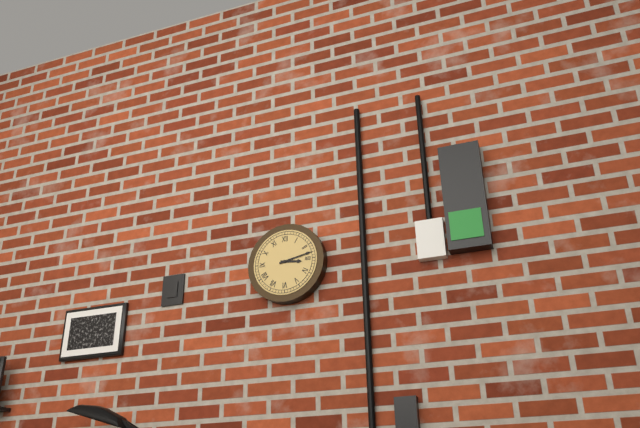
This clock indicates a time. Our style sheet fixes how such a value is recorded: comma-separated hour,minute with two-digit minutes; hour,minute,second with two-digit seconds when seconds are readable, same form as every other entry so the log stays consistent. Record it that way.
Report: 3,13
